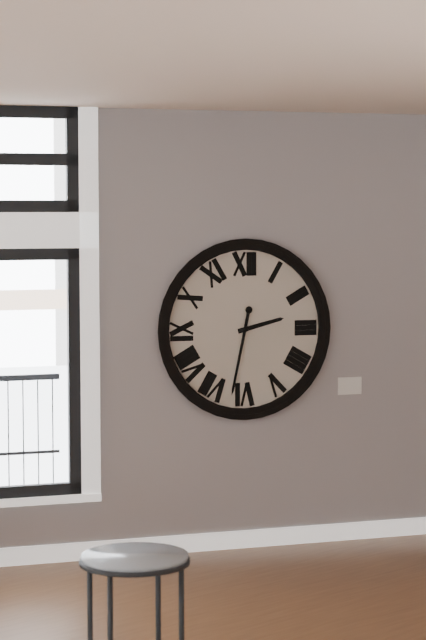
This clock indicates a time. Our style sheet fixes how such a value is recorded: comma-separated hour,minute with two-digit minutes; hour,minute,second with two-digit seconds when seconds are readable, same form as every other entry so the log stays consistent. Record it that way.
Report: 2,32
